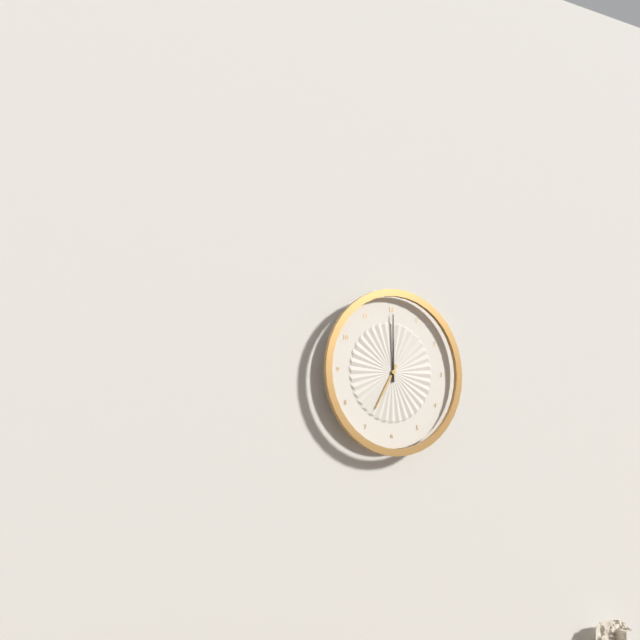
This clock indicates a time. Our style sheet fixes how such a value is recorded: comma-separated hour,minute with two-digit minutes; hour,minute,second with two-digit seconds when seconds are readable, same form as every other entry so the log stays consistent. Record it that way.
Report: 7,00
